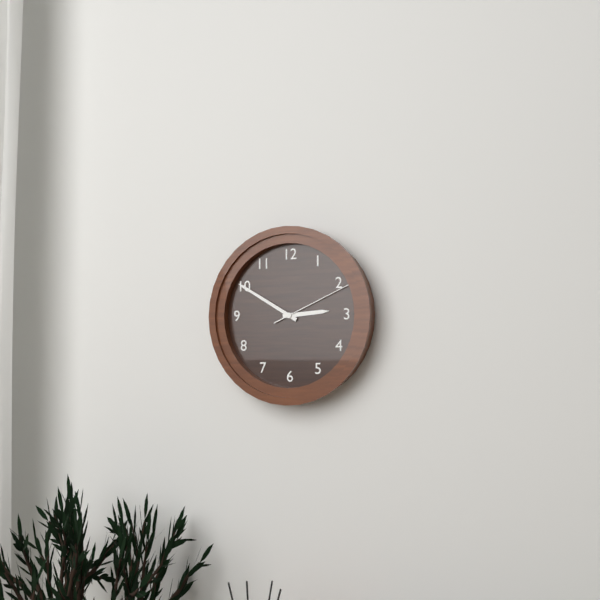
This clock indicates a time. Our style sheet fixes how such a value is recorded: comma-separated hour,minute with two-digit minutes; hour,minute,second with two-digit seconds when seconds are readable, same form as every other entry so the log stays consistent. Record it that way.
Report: 2,50,11
